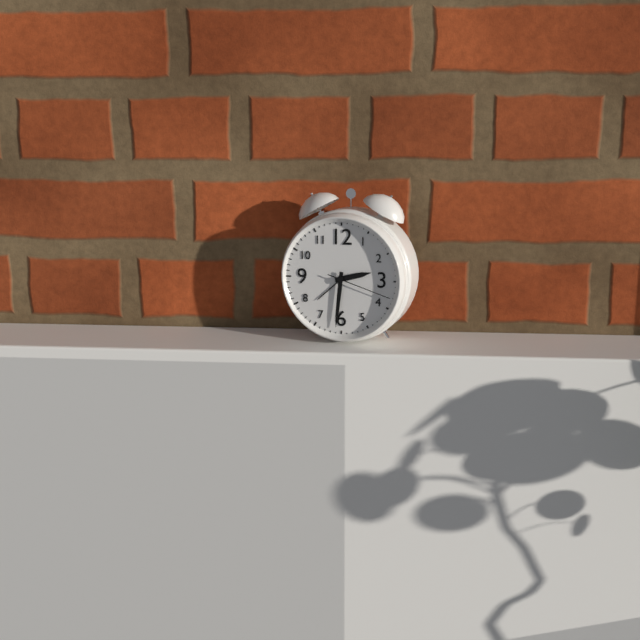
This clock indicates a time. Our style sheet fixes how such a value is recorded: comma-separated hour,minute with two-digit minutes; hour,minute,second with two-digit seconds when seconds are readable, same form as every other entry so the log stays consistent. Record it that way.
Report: 2,31,18
